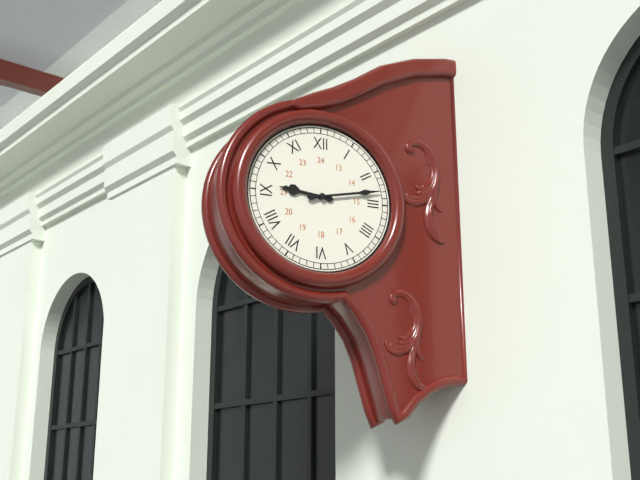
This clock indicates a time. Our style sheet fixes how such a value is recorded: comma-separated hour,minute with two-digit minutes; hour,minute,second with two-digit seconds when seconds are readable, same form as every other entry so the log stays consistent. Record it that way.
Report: 9,13
